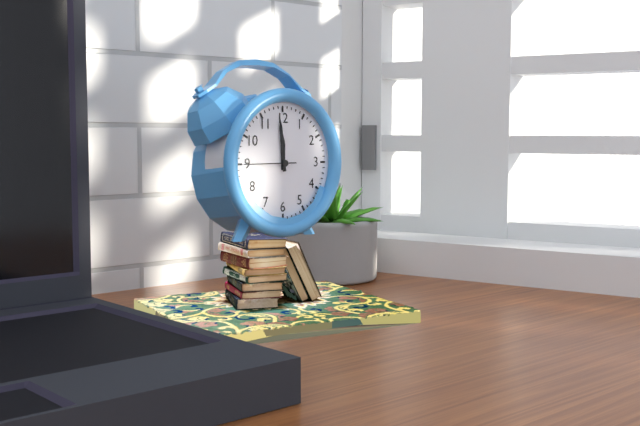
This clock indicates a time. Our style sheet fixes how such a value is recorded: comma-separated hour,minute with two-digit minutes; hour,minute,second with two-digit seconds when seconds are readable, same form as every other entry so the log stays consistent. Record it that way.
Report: 11,59,45
